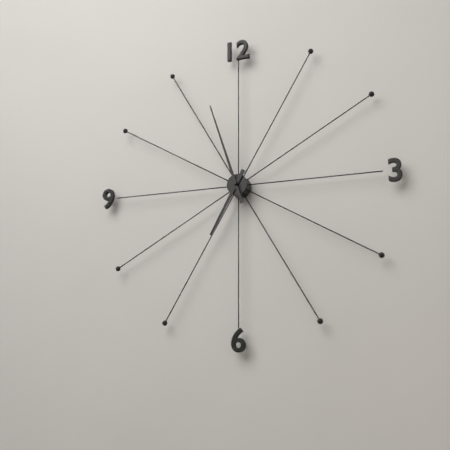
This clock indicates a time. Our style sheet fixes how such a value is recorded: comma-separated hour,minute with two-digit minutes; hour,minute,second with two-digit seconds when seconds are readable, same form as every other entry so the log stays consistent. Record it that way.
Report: 6,57
